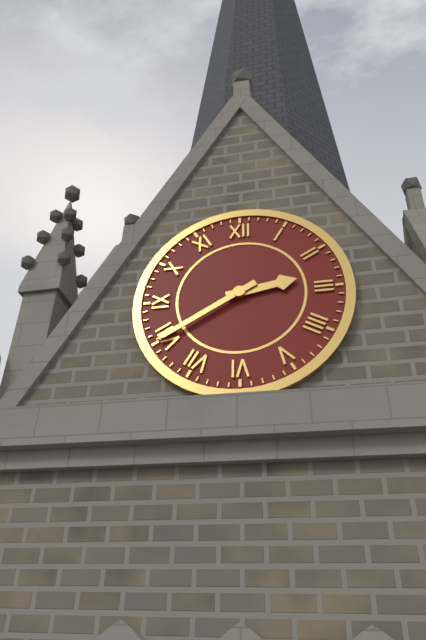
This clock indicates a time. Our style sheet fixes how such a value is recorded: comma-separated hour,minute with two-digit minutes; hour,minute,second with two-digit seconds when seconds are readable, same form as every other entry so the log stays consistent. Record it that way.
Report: 2,40
